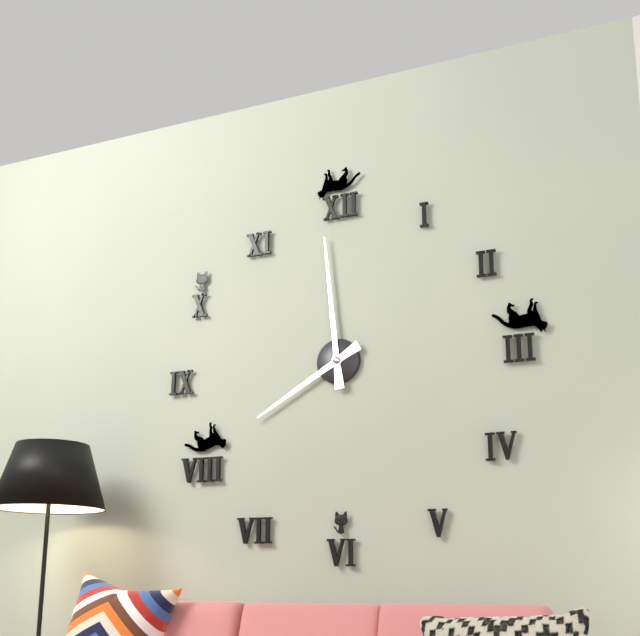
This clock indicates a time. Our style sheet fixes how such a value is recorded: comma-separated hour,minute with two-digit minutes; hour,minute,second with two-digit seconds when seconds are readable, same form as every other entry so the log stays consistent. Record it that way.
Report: 7,59
